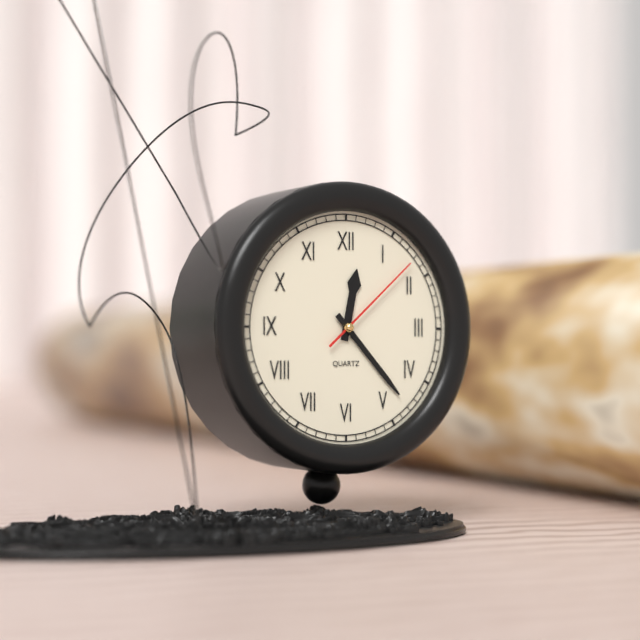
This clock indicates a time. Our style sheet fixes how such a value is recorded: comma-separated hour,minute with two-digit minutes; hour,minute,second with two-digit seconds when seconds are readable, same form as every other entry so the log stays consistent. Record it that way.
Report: 12,23,08
